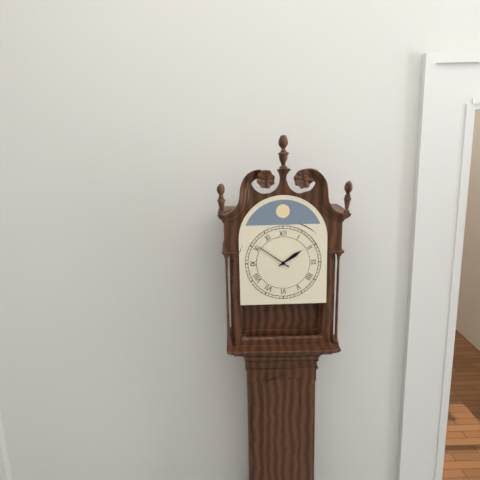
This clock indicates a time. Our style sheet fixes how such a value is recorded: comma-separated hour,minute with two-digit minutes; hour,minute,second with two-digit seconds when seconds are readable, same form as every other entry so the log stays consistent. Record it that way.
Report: 1,51
